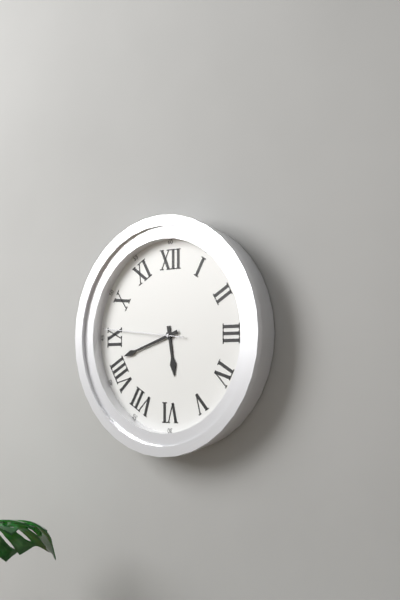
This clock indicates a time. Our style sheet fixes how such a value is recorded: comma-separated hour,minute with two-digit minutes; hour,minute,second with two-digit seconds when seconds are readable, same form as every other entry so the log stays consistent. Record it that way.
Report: 5,42,46
